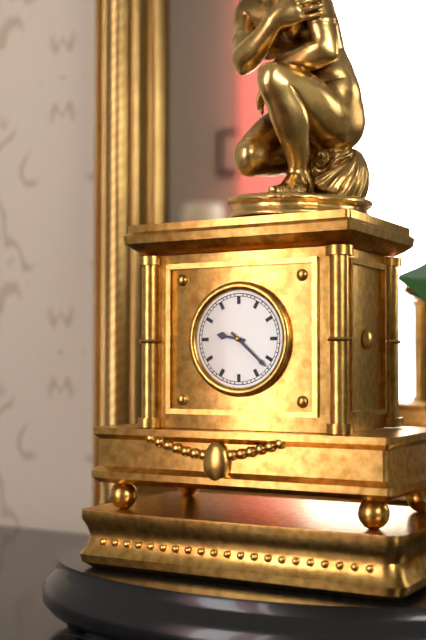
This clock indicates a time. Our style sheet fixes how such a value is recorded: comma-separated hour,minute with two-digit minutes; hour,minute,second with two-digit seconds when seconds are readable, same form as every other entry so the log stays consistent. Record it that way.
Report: 9,22
